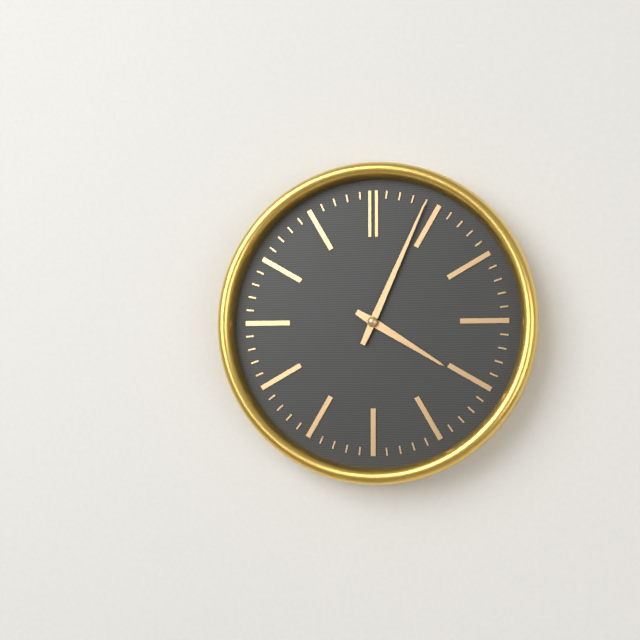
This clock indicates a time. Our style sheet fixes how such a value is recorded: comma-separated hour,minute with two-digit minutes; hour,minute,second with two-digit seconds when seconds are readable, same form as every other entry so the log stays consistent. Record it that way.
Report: 4,04
